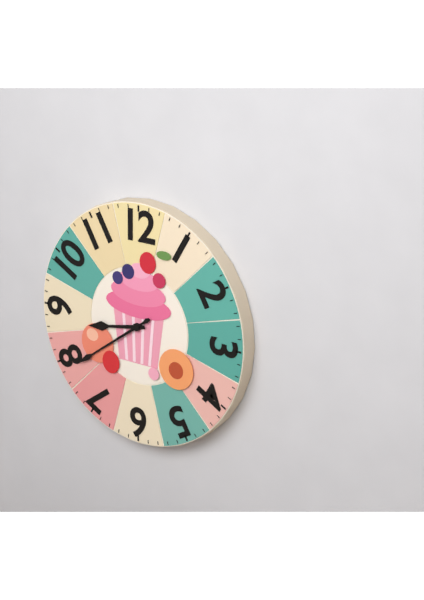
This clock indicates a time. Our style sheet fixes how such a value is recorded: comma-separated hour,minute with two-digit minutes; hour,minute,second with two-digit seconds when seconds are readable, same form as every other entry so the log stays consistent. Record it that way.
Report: 8,39
